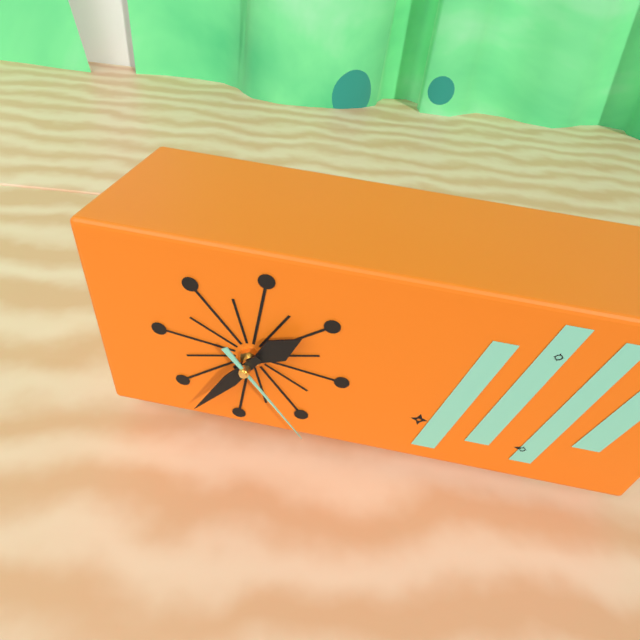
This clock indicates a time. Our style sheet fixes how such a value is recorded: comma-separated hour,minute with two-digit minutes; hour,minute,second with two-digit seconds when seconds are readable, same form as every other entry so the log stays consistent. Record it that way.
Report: 1,36,24
